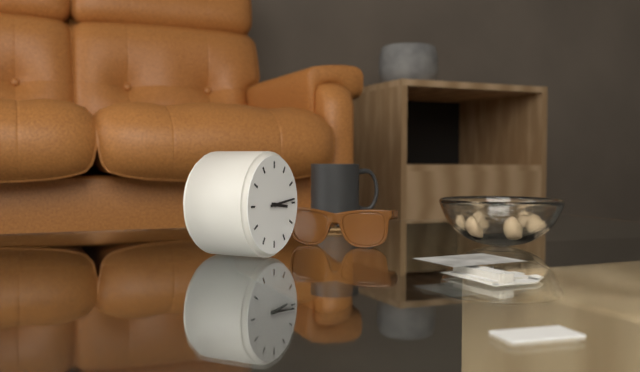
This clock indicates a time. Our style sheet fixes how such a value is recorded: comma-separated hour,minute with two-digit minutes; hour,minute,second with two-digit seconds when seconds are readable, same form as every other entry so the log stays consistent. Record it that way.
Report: 3,14
